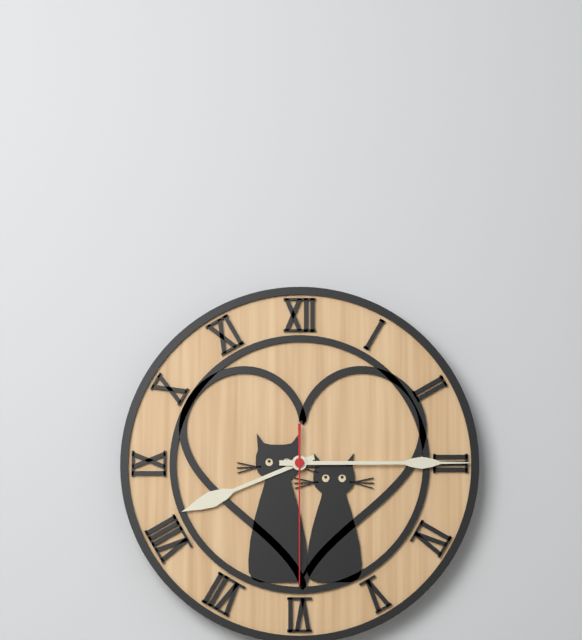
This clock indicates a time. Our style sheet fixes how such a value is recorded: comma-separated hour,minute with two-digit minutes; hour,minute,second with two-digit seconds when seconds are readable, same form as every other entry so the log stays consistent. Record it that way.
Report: 8,15,30
